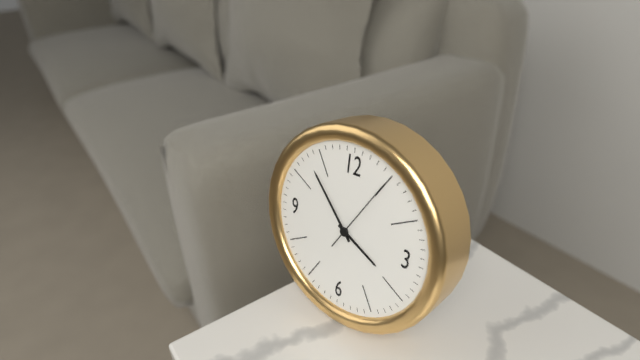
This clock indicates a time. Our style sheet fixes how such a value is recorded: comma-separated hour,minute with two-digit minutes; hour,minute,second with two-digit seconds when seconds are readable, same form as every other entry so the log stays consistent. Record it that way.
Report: 3,53,05
